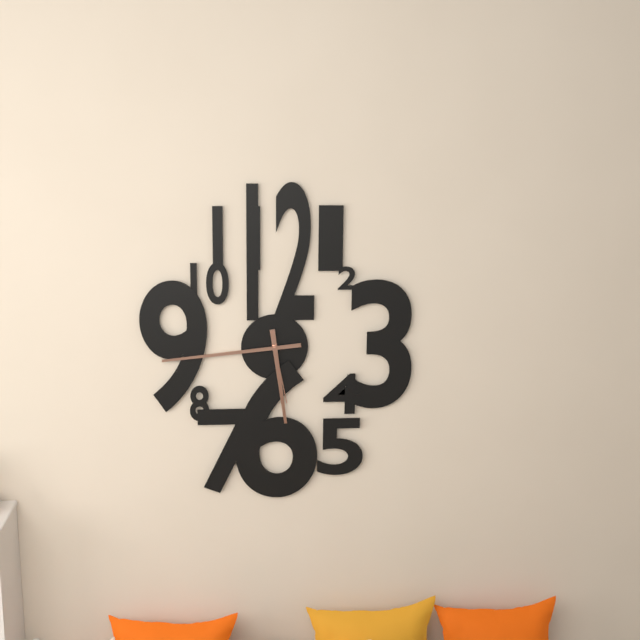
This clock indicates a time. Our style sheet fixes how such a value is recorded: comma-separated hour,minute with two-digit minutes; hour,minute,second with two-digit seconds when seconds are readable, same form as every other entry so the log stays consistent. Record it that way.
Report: 5,44,28
